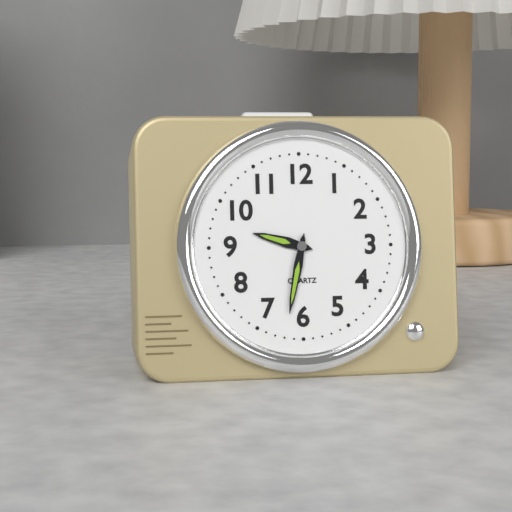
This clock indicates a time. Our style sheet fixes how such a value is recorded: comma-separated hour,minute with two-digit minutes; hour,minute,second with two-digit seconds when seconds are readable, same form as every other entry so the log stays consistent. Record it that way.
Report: 9,32
